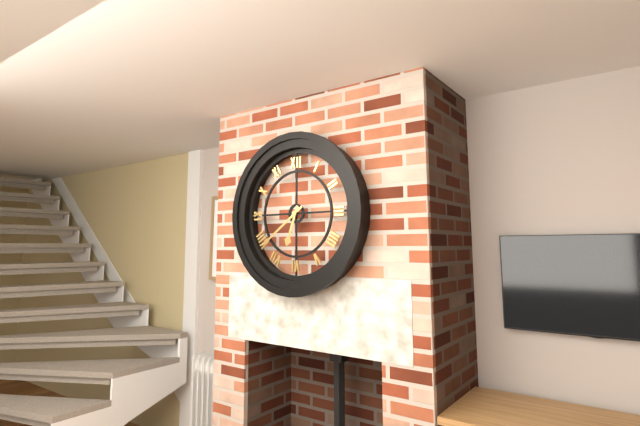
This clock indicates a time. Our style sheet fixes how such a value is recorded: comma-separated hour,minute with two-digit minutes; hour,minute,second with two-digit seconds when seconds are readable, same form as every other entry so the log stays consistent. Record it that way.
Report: 6,39
